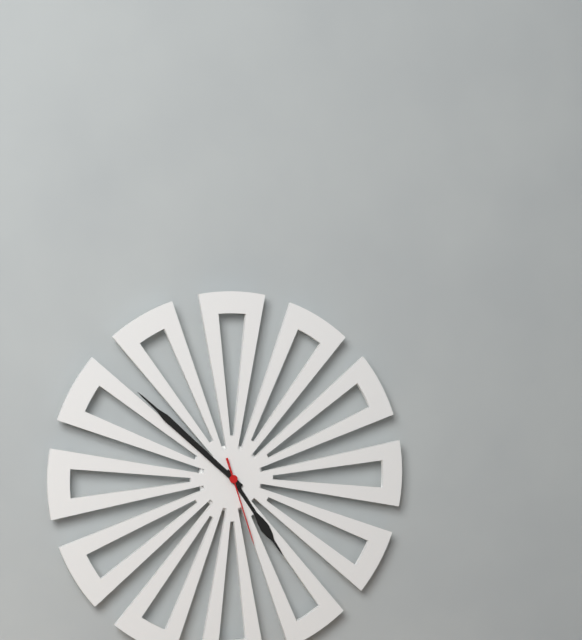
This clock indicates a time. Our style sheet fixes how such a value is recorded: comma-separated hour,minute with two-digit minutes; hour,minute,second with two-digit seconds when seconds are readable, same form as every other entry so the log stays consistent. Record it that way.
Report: 4,52,27
